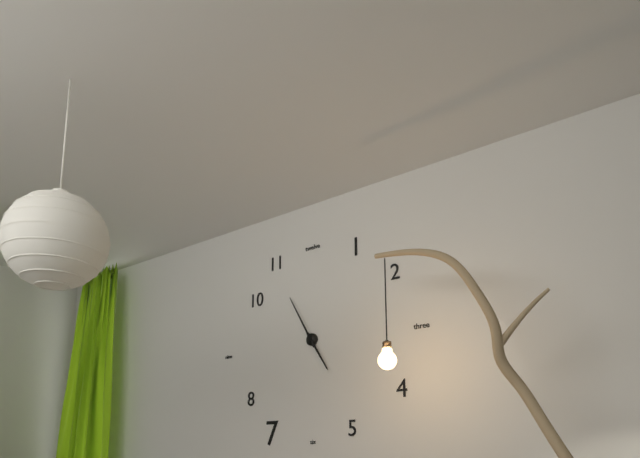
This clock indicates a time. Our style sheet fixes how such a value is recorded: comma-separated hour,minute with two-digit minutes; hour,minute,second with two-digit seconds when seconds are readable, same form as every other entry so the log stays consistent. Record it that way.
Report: 4,55
